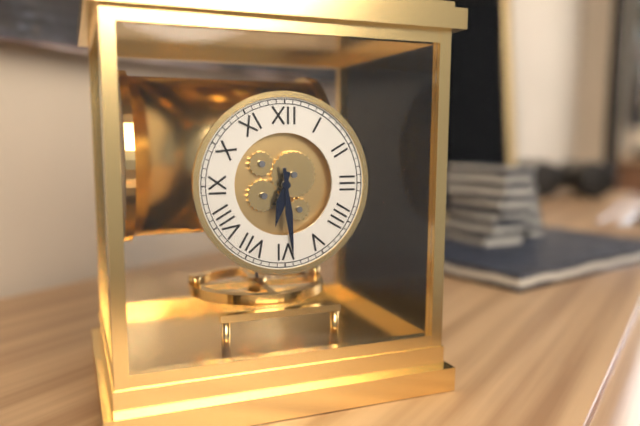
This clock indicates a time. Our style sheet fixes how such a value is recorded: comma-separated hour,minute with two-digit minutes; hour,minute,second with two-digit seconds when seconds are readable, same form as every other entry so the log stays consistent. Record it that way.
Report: 6,29
